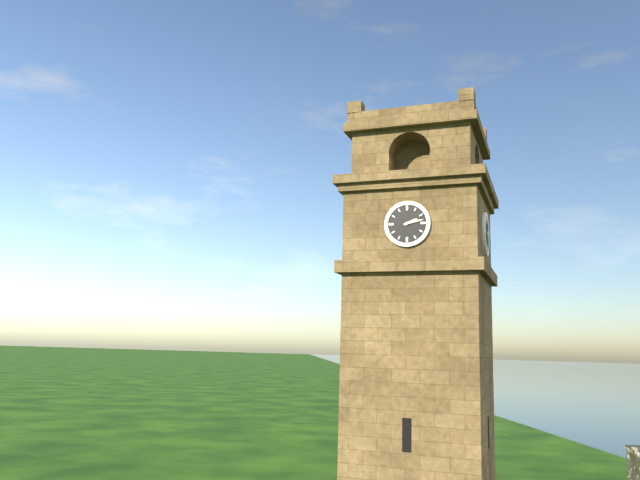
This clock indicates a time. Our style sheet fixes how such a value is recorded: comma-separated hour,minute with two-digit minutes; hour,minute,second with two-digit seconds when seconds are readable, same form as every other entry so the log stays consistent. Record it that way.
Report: 2,13
